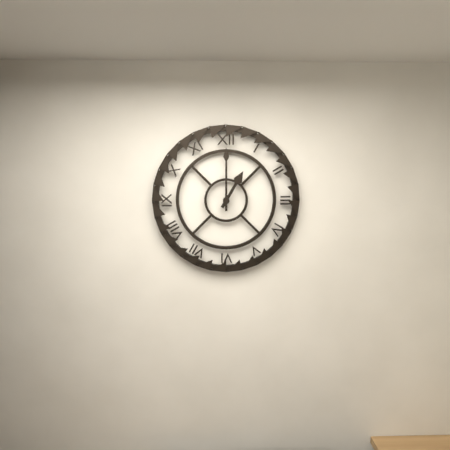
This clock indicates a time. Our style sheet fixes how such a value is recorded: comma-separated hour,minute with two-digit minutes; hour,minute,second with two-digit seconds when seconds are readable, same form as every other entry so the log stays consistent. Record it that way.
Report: 1,00
